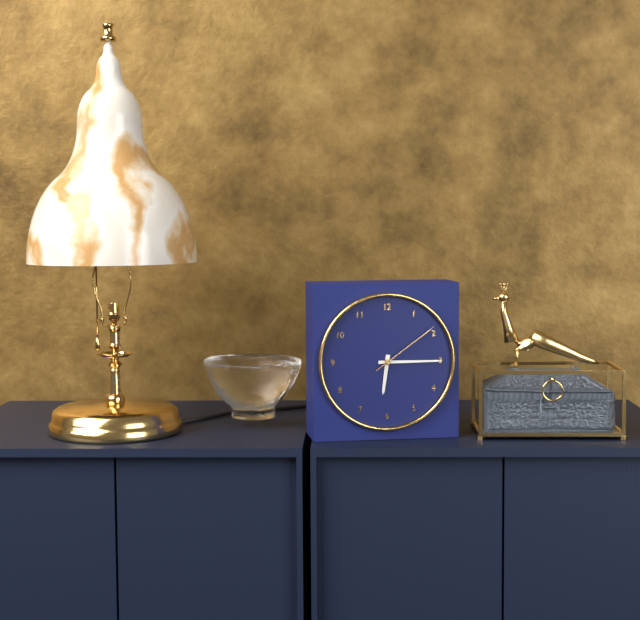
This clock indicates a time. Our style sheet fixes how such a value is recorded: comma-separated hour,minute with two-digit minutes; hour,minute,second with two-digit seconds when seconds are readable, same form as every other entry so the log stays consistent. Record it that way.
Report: 6,15,09
